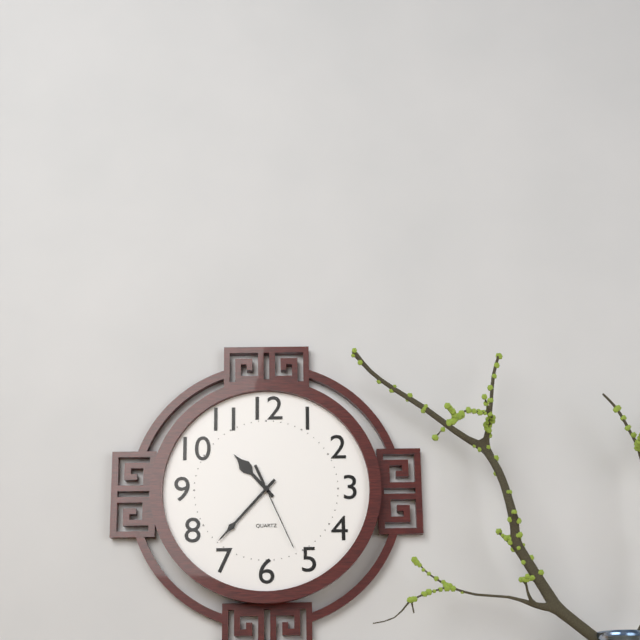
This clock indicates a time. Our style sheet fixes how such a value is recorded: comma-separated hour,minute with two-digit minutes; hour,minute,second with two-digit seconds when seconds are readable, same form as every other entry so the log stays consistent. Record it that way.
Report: 10,37,26
